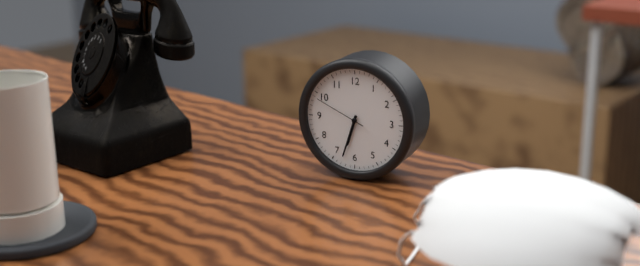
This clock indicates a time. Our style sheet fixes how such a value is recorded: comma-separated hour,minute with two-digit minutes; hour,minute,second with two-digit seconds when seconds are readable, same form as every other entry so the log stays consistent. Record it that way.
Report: 6,33,49
